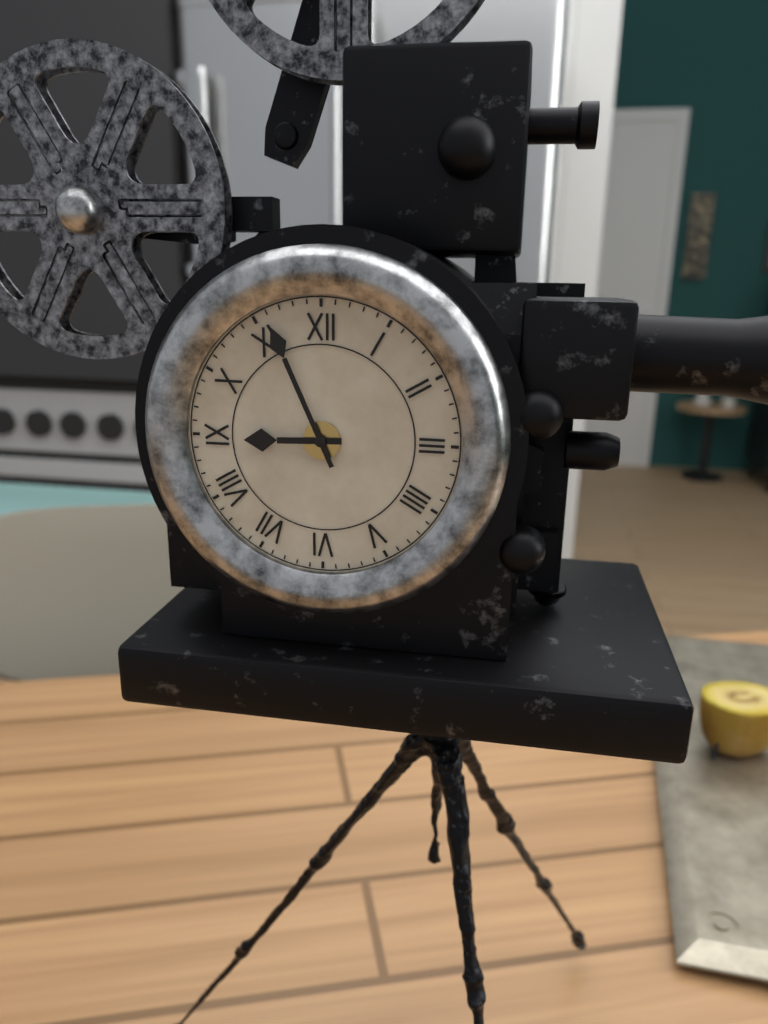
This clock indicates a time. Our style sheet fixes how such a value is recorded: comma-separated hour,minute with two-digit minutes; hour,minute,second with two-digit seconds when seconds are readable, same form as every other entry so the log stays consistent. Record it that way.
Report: 8,56
